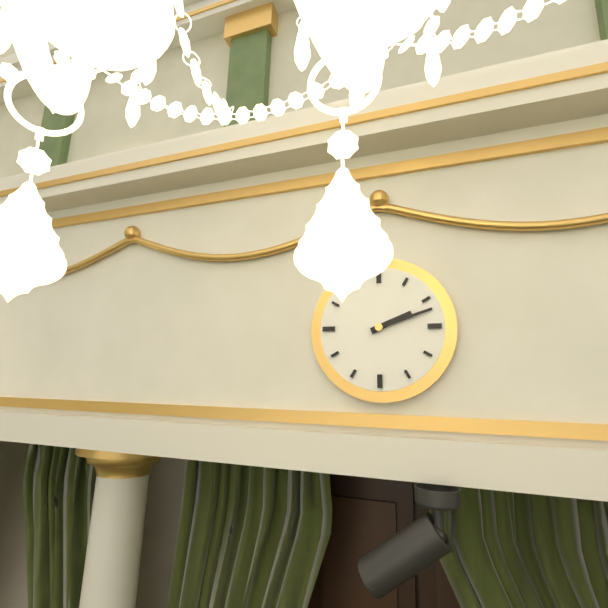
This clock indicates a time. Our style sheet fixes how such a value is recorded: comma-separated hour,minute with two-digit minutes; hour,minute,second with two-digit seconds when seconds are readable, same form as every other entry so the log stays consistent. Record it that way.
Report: 2,12
